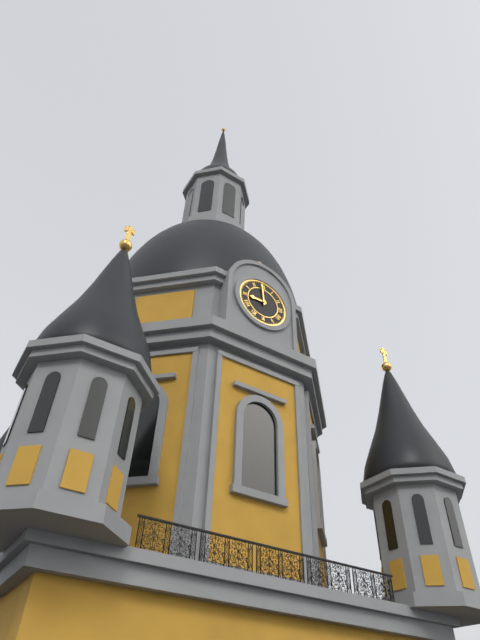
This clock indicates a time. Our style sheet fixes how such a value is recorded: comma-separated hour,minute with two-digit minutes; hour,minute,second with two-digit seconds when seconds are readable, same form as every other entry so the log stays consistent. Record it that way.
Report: 8,59
